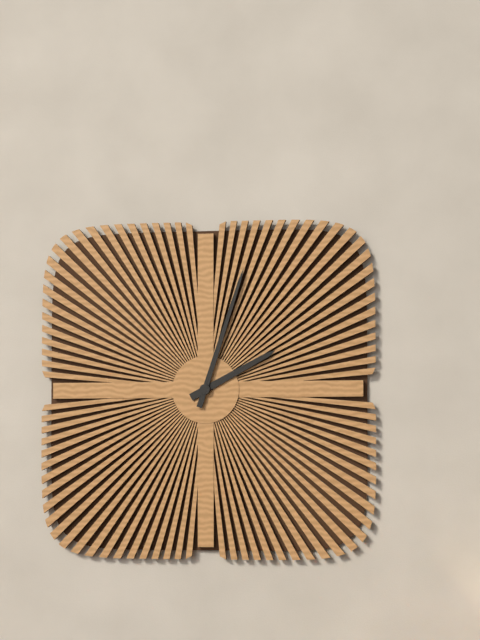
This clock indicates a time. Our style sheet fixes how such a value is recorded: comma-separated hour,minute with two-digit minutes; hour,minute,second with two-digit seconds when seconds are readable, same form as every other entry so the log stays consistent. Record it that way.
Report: 2,03
